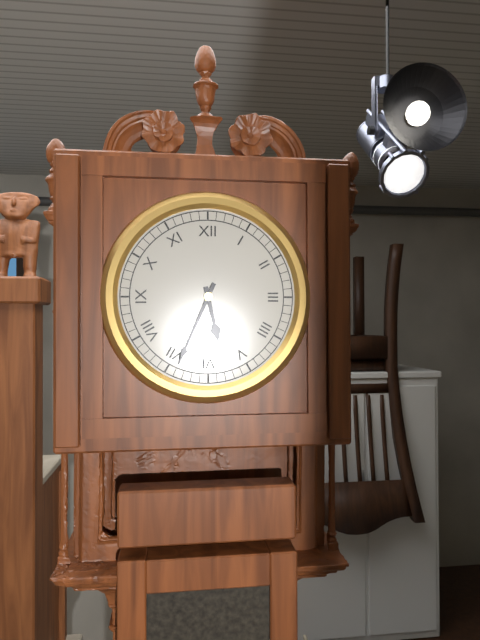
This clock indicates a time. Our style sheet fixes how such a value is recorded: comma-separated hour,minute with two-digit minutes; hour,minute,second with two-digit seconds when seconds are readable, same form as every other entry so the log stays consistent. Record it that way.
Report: 5,34
